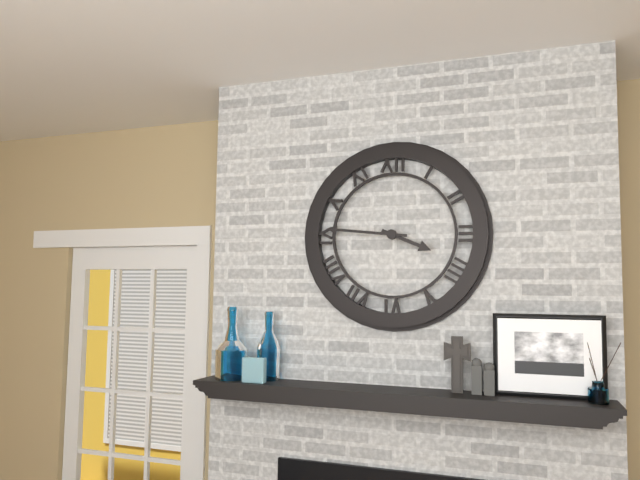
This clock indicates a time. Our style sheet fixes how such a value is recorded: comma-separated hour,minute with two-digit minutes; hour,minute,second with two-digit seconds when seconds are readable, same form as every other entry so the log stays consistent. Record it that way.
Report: 3,46
